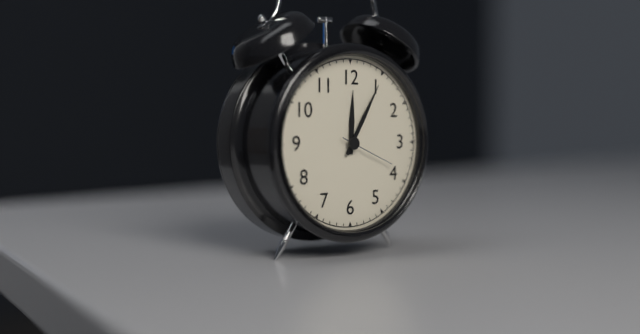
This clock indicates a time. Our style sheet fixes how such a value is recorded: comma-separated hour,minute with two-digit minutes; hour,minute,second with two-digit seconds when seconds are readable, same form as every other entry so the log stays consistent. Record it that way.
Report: 12,05,19
